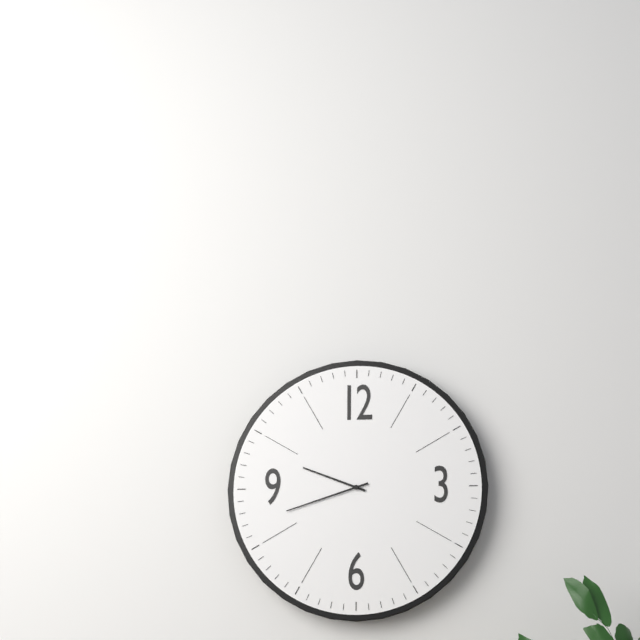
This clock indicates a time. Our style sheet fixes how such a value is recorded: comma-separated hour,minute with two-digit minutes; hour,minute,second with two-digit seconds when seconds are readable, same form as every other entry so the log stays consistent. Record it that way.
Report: 9,42
